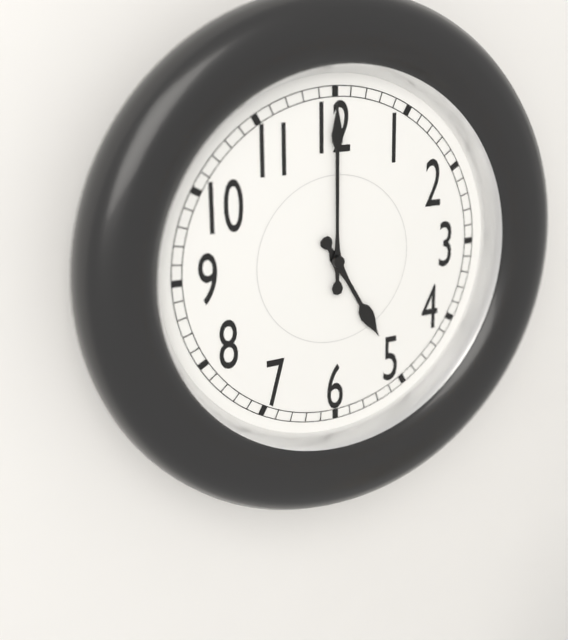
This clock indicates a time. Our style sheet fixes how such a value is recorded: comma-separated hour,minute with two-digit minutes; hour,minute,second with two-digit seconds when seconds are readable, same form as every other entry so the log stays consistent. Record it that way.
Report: 5,00
